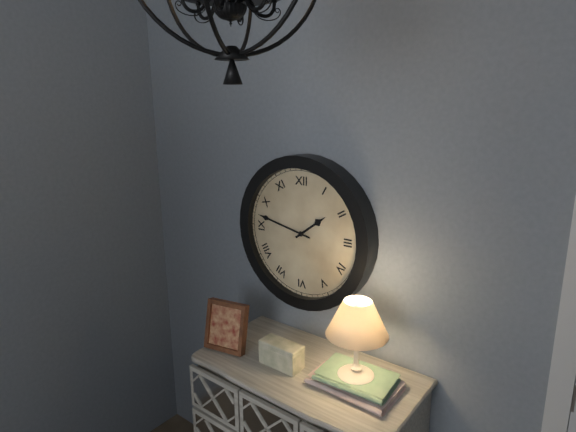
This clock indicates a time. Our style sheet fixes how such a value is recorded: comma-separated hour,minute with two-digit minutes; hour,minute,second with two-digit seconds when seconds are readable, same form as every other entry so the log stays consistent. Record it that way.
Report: 1,47
